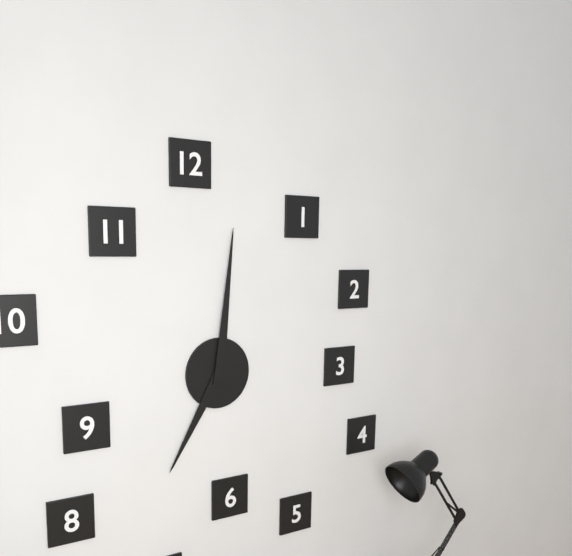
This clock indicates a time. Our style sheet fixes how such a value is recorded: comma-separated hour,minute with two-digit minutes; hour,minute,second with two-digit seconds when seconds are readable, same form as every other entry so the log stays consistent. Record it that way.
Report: 7,01
